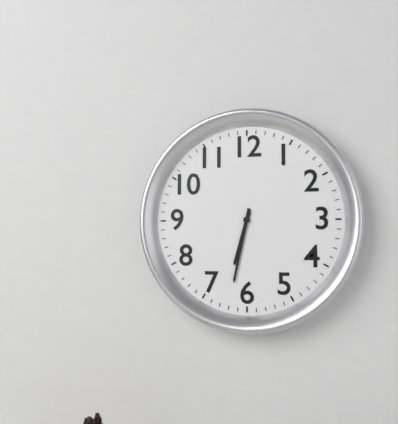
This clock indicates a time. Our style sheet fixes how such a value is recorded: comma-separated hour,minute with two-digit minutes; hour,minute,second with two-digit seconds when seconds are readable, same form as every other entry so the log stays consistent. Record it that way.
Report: 6,32
